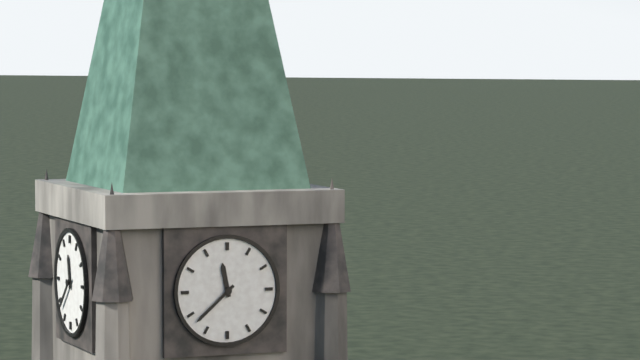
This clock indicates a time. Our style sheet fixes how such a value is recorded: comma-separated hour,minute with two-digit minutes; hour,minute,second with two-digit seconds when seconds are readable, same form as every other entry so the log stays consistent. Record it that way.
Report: 11,38
